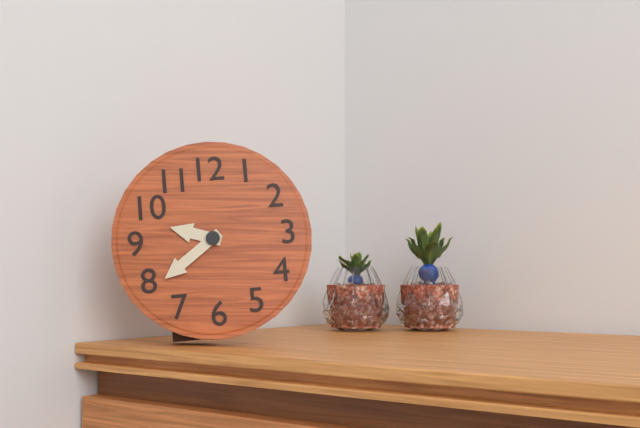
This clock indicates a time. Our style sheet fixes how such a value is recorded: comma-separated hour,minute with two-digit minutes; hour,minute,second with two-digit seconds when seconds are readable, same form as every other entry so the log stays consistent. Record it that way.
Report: 9,39
